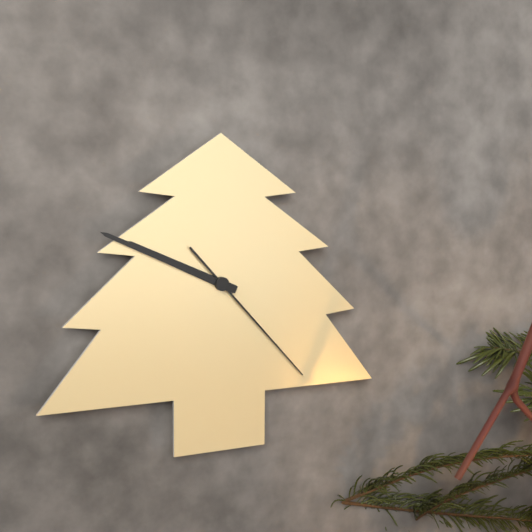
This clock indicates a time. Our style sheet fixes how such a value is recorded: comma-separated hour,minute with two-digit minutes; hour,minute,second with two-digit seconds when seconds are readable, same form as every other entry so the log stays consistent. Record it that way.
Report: 9,49,23
